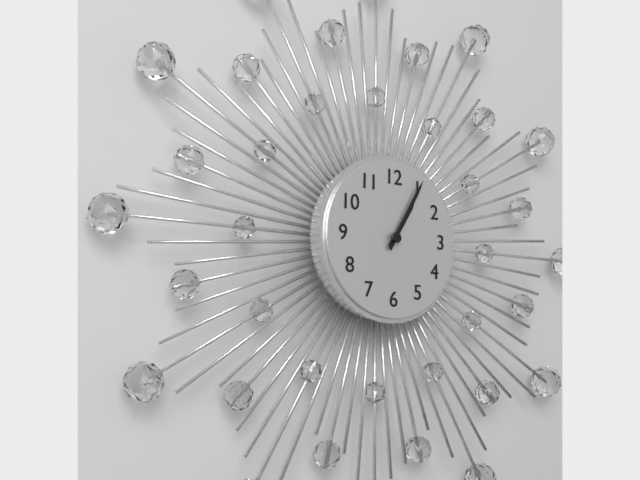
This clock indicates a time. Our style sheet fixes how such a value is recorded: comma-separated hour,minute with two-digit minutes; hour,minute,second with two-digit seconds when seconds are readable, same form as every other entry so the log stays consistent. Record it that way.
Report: 1,05
